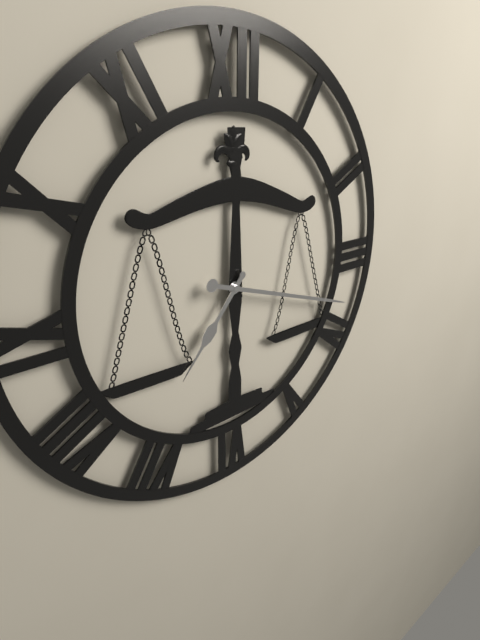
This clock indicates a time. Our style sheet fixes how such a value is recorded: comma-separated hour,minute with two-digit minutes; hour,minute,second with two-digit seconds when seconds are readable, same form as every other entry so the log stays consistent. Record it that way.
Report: 7,18
